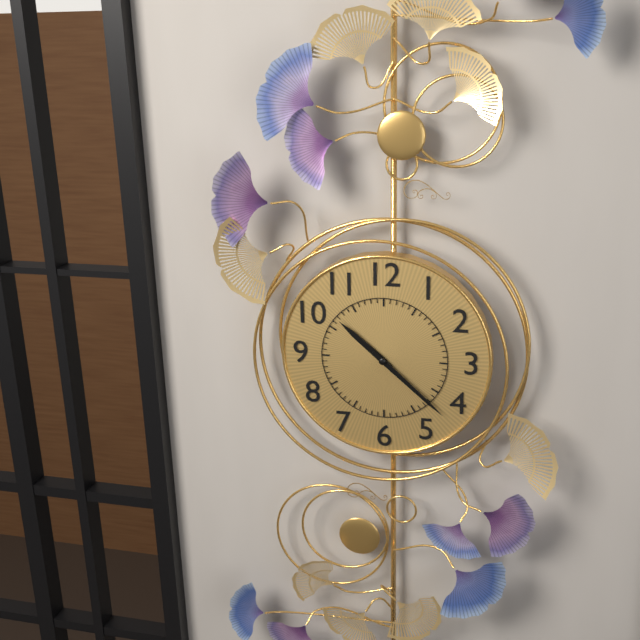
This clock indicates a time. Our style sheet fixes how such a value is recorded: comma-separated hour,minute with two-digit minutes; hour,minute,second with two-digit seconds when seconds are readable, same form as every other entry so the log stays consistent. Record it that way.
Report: 10,22
